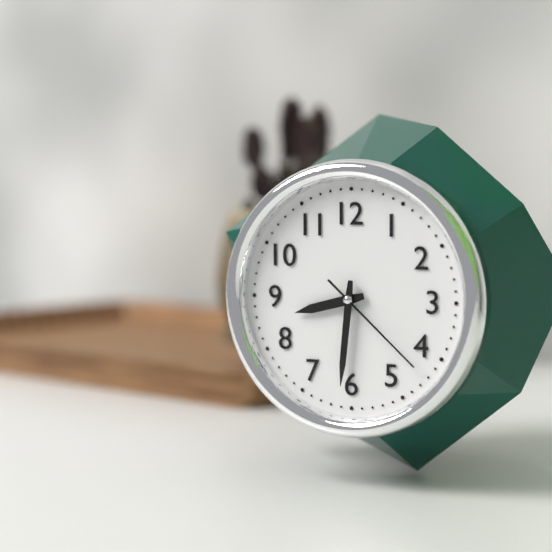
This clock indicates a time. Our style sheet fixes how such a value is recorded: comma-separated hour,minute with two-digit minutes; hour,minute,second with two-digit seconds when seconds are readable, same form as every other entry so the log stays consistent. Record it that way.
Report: 8,31,22
